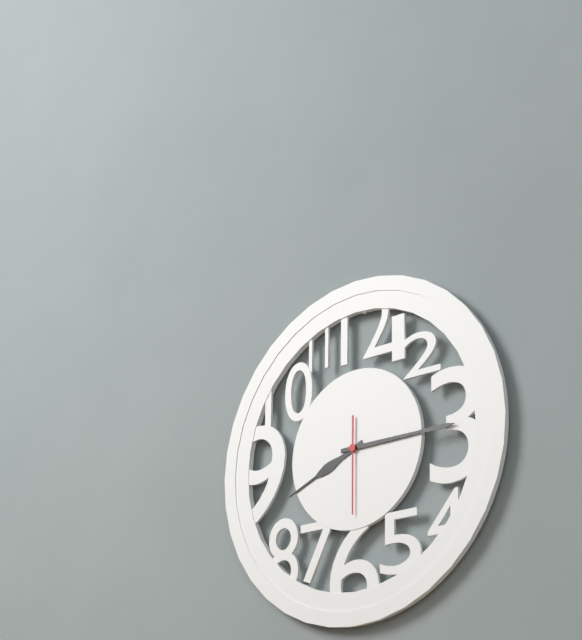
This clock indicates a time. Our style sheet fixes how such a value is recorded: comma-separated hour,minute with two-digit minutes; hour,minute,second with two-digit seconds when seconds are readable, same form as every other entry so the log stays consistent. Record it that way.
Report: 8,15,30
